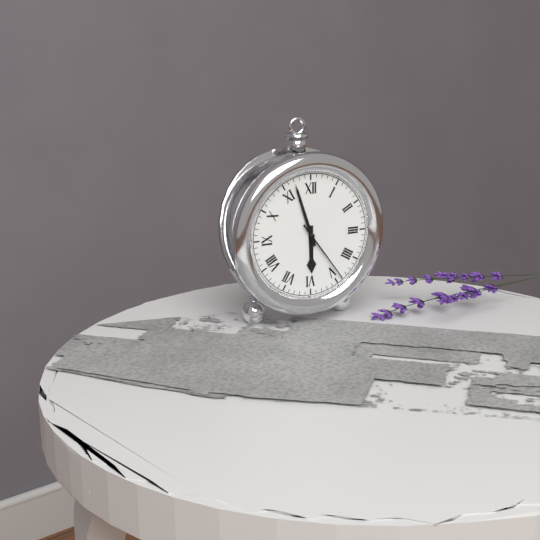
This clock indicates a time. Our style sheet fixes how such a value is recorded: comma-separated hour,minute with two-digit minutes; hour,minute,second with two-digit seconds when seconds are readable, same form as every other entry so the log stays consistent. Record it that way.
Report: 5,57,24
